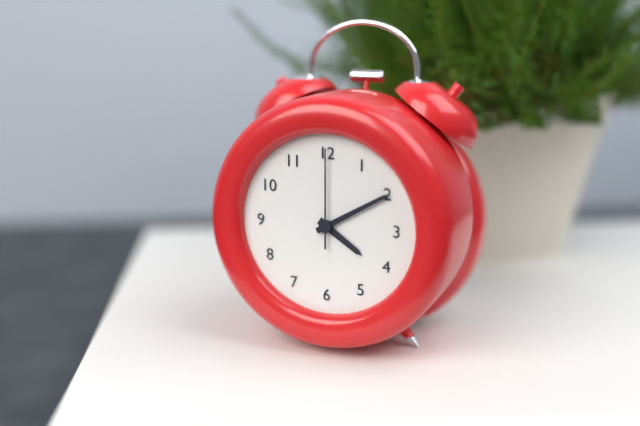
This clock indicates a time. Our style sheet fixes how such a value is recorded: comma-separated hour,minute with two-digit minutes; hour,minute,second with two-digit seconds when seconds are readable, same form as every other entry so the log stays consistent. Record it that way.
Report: 4,10,00
